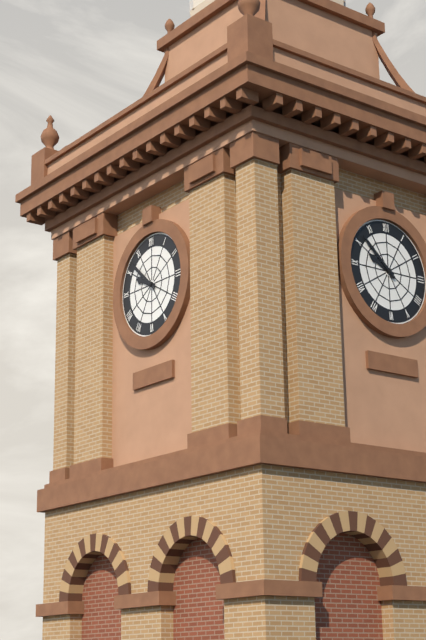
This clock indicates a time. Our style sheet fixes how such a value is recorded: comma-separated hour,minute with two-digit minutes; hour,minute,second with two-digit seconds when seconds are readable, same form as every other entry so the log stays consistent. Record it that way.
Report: 9,52
